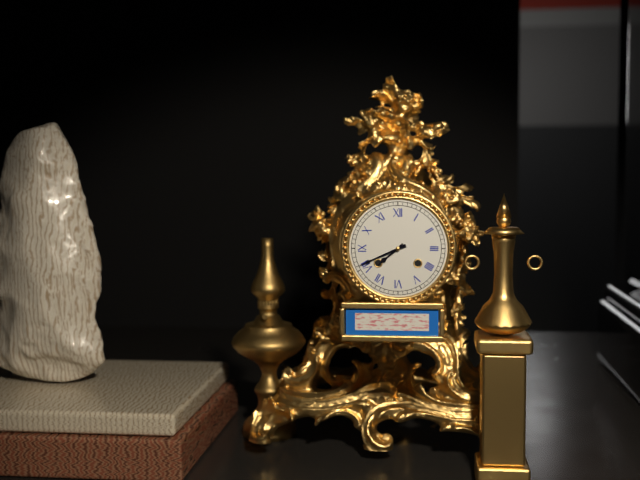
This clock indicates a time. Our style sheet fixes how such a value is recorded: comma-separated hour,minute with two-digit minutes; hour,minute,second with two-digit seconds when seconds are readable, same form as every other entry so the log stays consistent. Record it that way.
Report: 7,41
